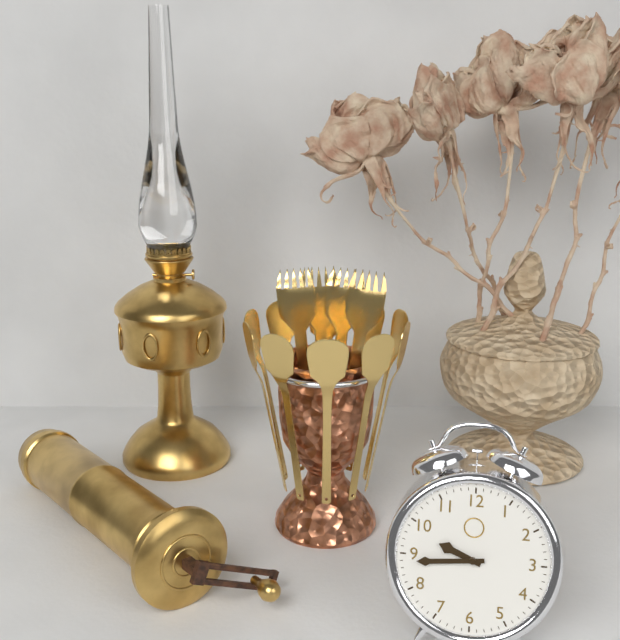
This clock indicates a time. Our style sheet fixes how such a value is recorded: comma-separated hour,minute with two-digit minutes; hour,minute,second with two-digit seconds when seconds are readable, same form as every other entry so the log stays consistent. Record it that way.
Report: 9,44
